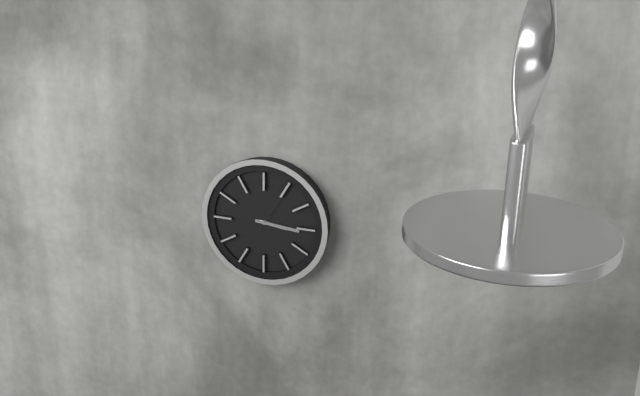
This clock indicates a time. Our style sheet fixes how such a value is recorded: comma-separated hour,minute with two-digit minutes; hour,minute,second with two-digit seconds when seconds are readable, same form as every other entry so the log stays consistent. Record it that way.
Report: 3,16,05
